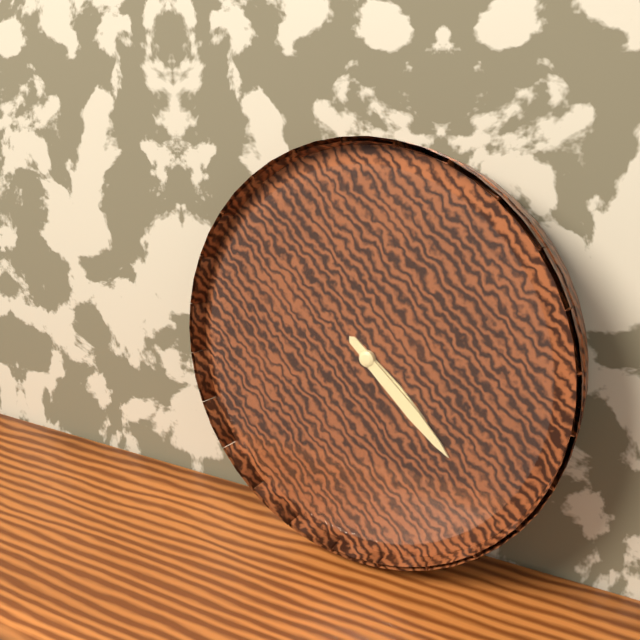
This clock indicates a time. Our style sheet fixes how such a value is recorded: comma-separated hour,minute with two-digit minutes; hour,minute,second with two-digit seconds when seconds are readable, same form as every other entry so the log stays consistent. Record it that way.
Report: 4,22
